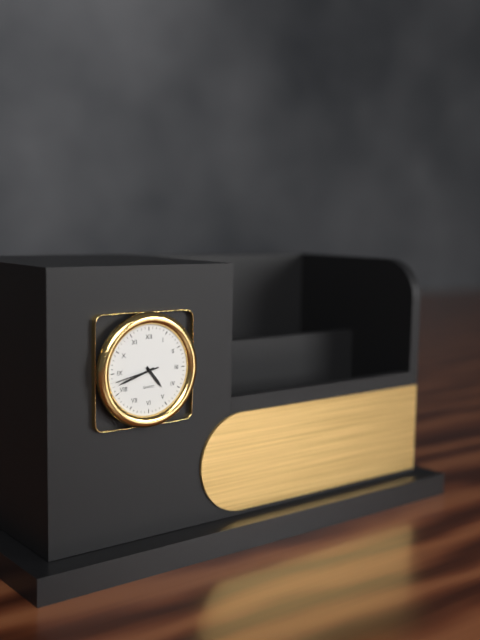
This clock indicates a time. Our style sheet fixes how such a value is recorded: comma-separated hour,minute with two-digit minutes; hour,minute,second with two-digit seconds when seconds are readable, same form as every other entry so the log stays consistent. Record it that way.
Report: 4,42
